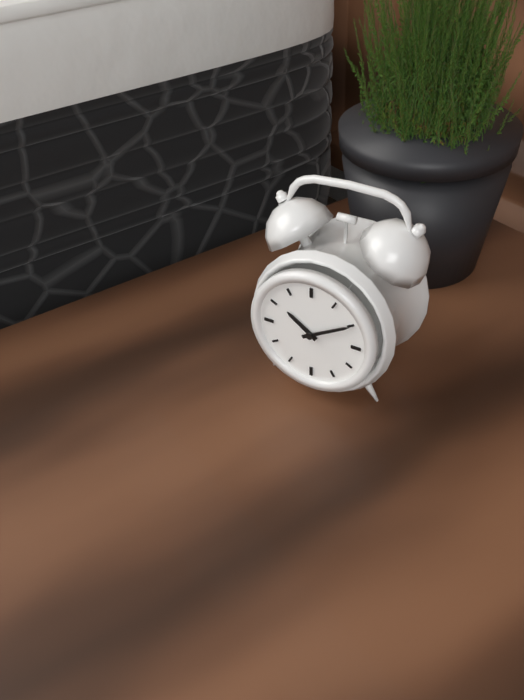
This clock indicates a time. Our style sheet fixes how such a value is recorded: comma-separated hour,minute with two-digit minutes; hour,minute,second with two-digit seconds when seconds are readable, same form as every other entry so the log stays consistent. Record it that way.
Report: 10,10
